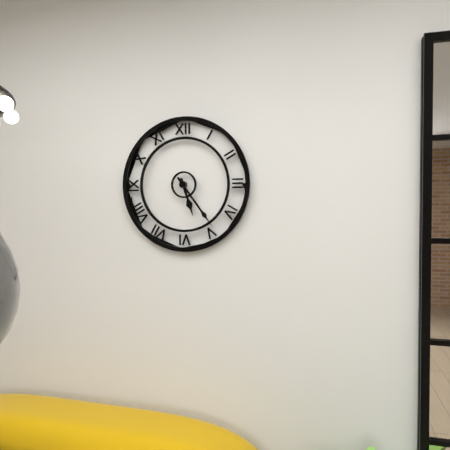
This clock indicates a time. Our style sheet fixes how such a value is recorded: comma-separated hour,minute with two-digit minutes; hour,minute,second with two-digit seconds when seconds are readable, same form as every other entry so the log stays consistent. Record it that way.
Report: 5,24
